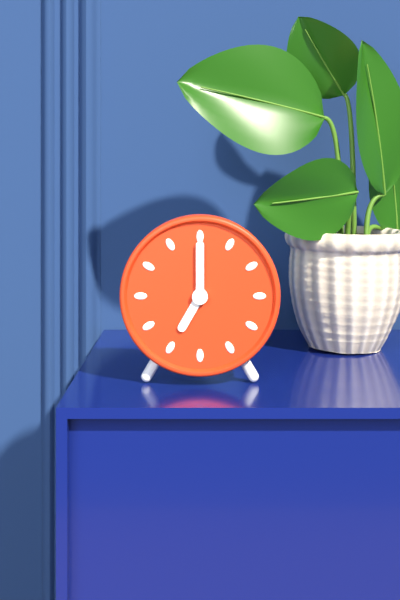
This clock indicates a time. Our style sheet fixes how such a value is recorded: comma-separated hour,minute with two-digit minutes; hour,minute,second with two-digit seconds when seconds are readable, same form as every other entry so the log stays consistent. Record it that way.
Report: 7,00
